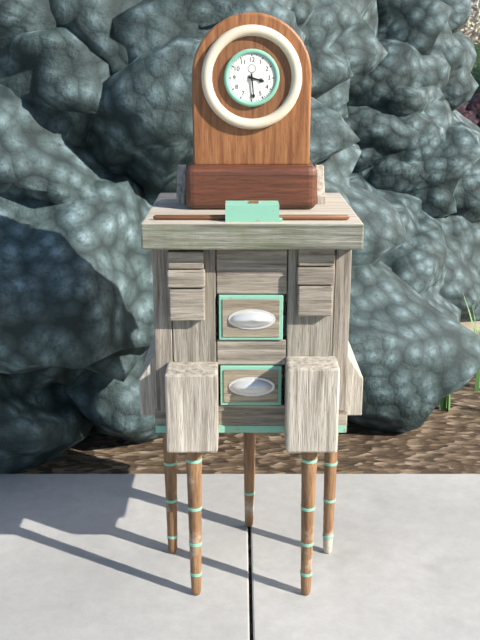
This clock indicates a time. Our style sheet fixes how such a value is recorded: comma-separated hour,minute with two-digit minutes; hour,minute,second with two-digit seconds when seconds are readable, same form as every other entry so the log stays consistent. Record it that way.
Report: 3,29
